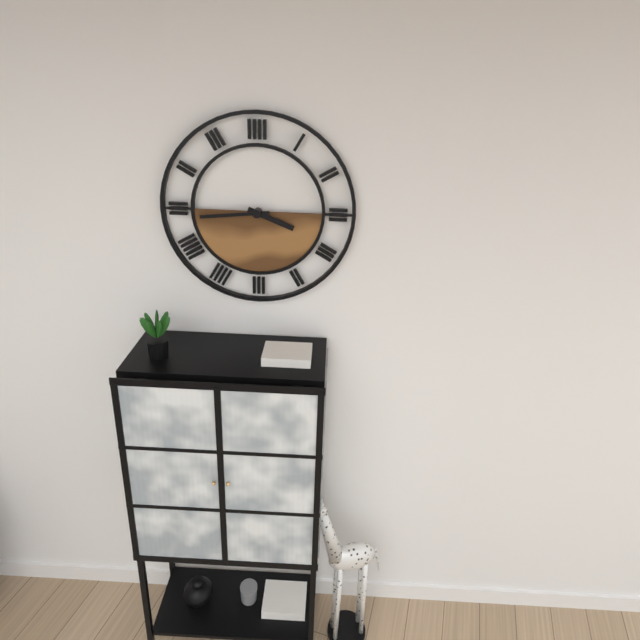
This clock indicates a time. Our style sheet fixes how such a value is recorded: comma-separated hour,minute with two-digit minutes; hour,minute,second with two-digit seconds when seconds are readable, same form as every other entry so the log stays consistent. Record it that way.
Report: 3,44
